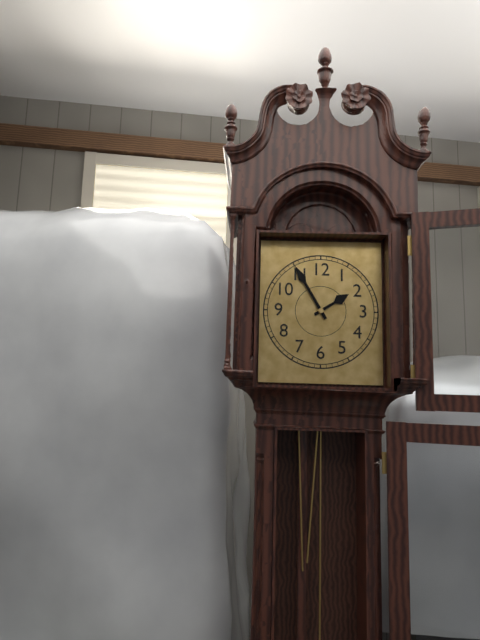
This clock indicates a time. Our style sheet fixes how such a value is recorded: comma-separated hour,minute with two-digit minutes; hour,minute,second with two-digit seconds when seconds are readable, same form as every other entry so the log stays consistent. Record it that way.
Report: 1,55
